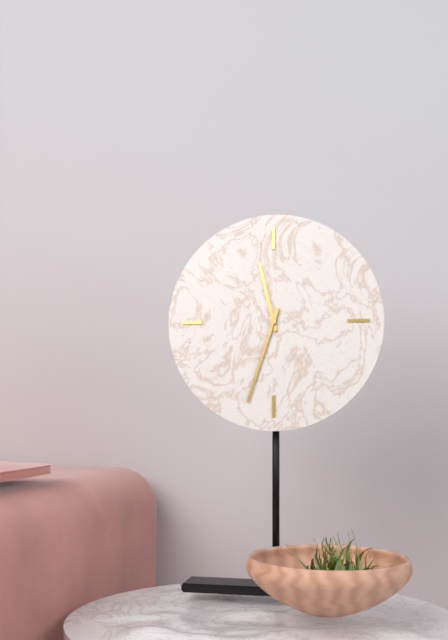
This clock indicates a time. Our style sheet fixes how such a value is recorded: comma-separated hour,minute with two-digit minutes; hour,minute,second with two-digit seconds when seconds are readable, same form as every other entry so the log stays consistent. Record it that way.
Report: 11,33
